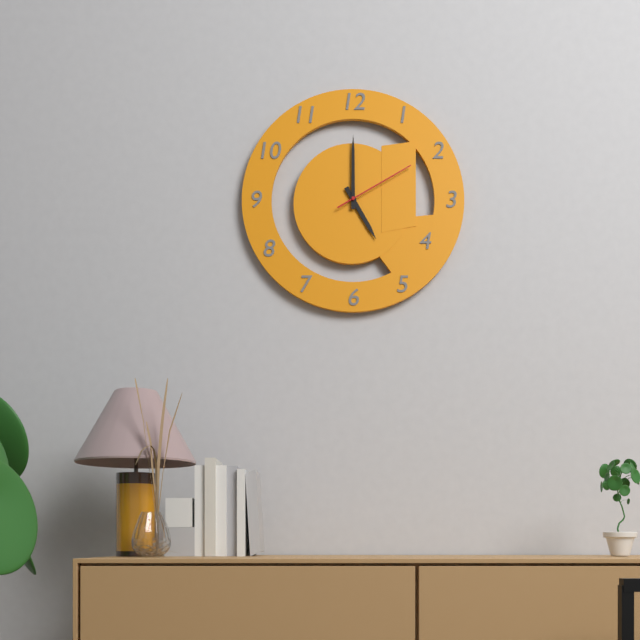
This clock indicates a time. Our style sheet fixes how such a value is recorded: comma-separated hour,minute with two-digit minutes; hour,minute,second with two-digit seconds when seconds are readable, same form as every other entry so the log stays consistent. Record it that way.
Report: 5,00,10
